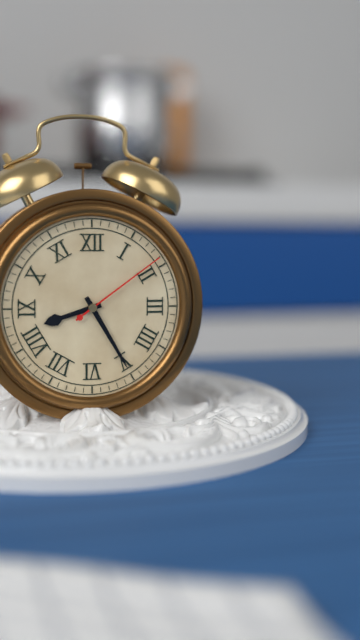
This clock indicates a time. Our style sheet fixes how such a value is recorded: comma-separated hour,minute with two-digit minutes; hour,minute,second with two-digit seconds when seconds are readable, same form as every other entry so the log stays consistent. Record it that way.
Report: 8,25,09
